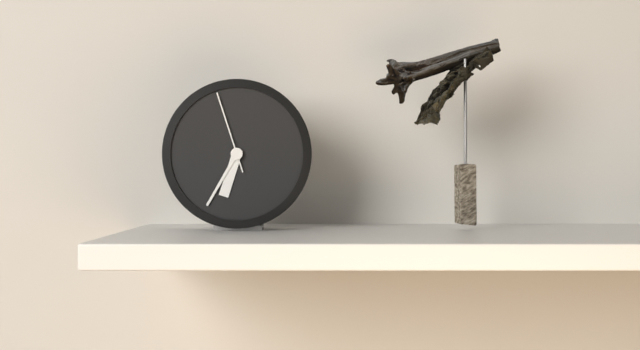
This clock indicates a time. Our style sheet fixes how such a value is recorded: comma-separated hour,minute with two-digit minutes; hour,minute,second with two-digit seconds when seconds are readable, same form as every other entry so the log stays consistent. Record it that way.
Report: 6,35,57
